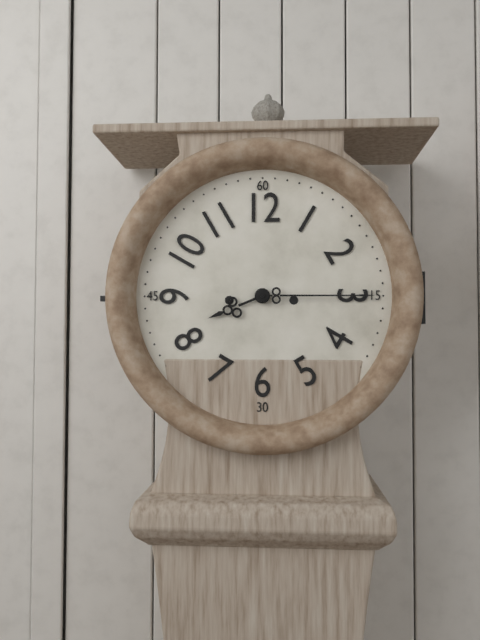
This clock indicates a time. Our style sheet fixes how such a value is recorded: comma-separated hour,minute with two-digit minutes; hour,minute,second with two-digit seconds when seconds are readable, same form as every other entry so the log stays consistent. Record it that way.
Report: 8,15
